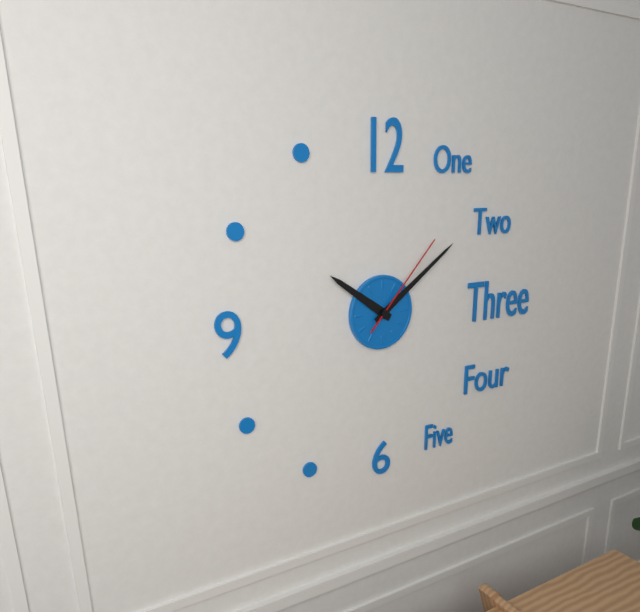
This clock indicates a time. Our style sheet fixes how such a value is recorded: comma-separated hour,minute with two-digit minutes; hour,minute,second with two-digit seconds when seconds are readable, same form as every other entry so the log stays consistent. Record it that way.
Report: 10,09,07
